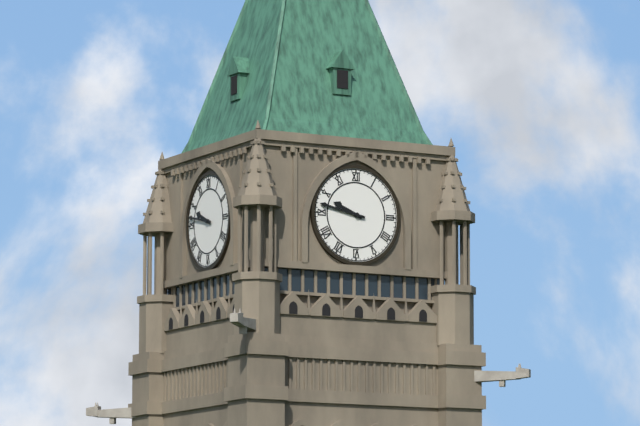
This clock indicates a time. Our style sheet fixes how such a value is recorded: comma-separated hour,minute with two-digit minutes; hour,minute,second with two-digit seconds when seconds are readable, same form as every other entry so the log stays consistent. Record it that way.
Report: 9,47
